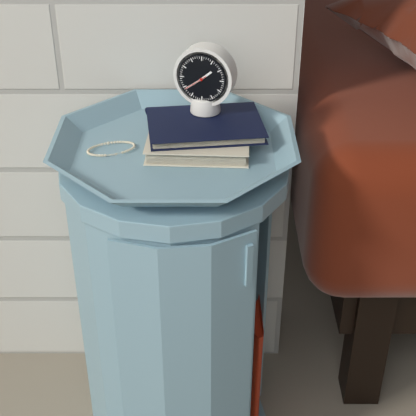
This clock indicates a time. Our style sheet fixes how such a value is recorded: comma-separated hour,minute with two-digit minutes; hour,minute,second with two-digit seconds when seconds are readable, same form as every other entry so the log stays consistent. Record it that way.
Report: 1,39
